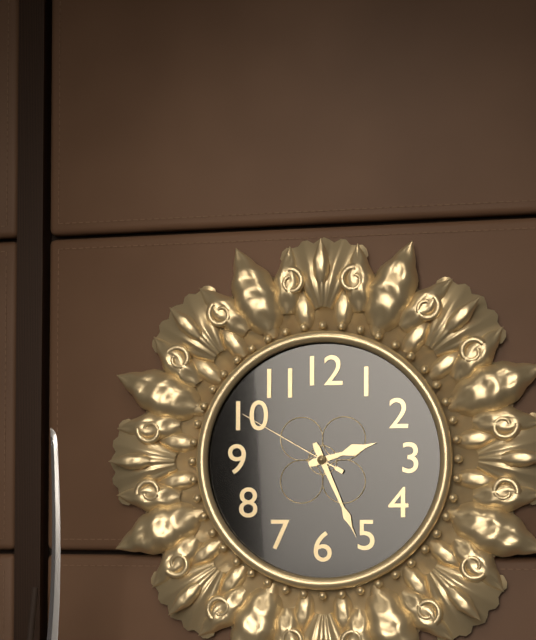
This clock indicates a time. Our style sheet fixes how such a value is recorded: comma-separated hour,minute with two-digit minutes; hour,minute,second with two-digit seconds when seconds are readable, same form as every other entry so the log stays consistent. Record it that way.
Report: 2,26,50
